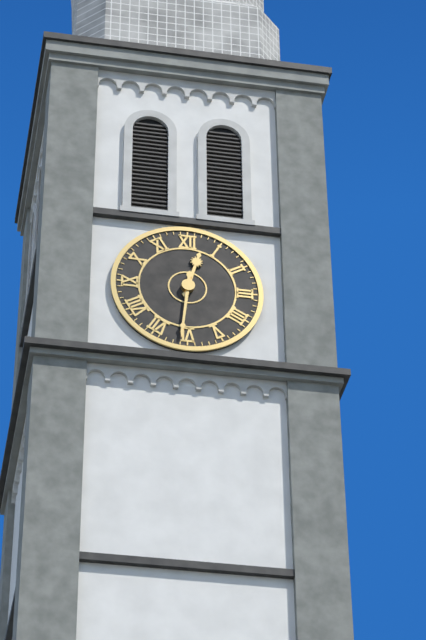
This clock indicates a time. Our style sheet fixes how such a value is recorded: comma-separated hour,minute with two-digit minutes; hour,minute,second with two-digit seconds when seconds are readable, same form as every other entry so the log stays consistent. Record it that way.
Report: 12,31
